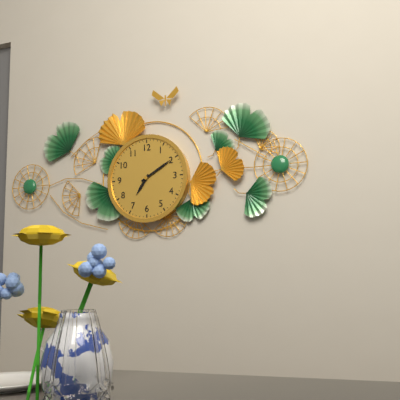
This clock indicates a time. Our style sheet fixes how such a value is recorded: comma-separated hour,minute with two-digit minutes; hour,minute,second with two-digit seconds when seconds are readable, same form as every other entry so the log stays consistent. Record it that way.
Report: 7,10
